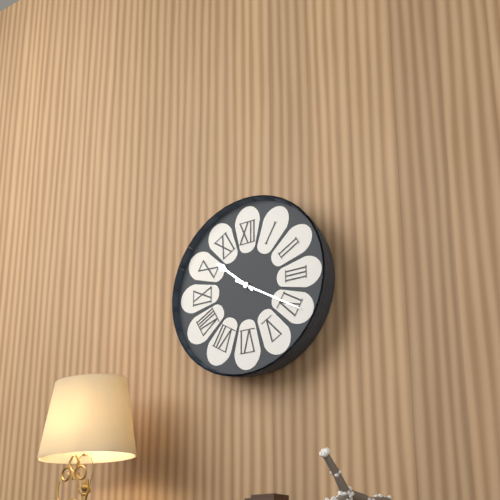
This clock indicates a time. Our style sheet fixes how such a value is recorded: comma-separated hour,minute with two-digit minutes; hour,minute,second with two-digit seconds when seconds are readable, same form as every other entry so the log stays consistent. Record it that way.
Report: 10,20
